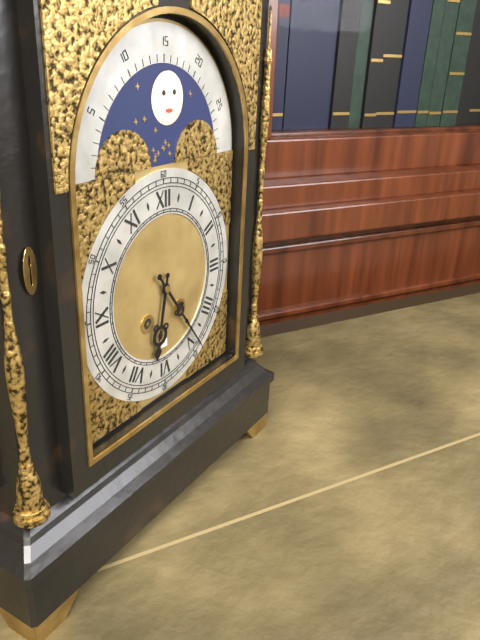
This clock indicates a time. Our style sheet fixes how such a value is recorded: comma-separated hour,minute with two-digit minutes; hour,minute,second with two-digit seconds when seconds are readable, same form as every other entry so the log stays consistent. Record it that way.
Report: 6,24
